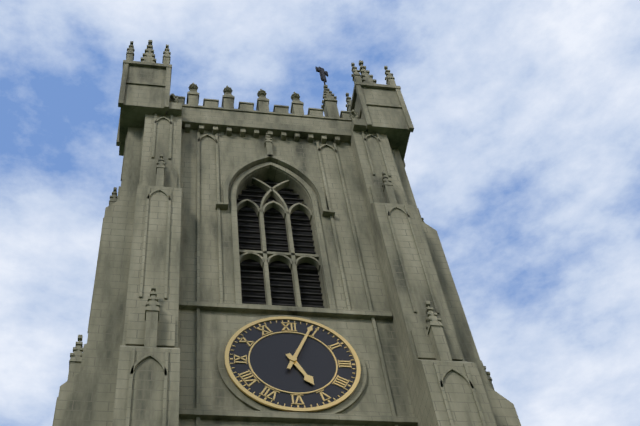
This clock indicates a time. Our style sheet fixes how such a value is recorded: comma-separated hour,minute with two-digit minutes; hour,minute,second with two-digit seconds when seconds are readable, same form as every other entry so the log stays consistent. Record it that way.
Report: 5,04
